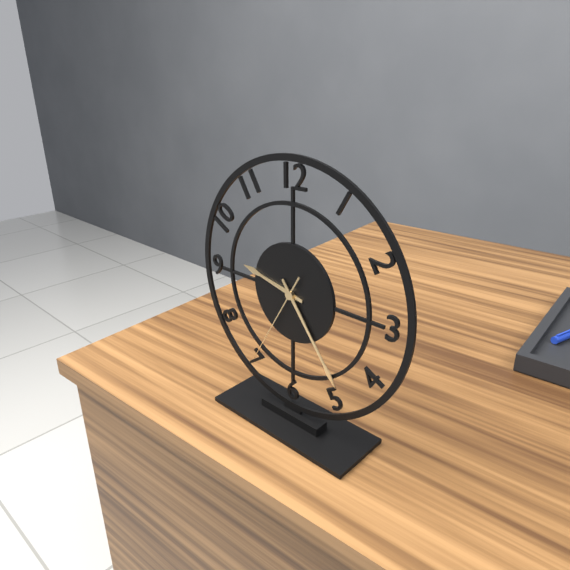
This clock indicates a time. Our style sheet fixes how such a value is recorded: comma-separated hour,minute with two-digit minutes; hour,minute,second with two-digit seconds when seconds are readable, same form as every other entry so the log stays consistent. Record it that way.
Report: 9,24,35
